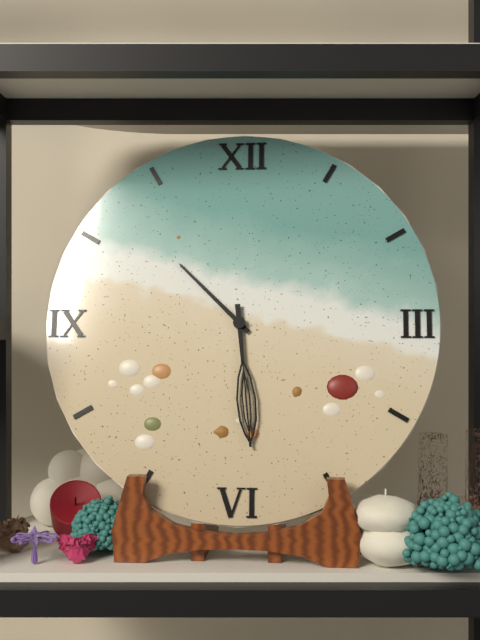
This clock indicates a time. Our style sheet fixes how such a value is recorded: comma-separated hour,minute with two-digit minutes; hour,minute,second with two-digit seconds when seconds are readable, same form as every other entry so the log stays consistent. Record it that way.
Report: 10,29
